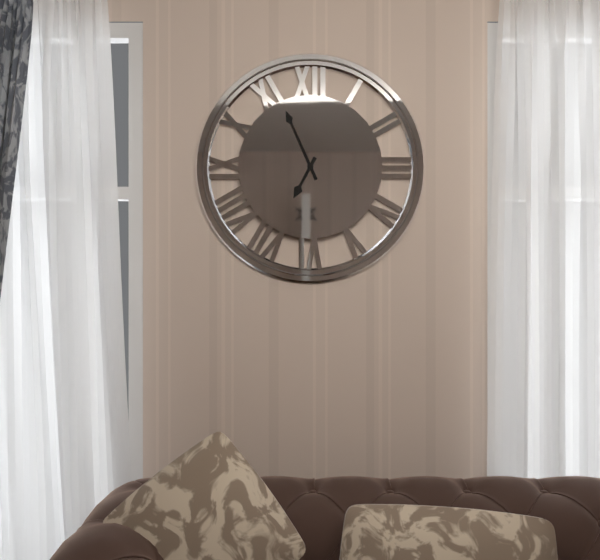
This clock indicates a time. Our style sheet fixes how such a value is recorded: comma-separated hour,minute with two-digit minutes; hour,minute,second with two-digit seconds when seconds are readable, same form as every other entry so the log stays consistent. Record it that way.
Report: 6,56
